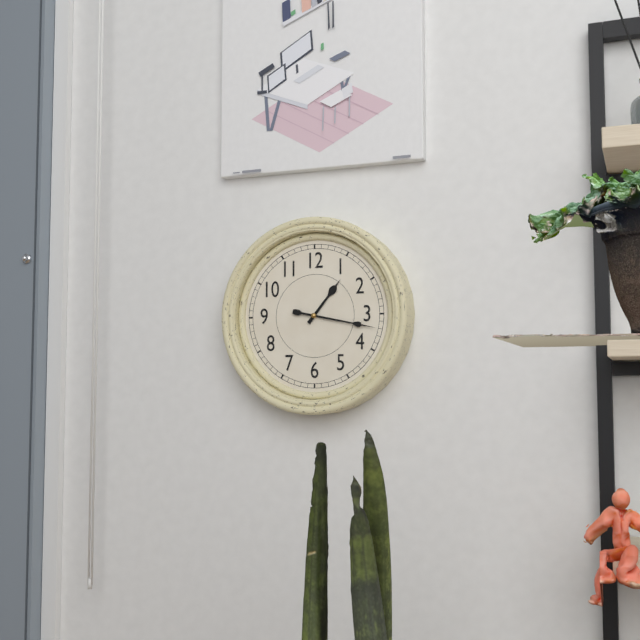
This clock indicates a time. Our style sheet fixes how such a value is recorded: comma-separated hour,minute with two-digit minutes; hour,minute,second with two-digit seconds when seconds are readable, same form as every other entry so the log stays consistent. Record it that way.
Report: 1,17
